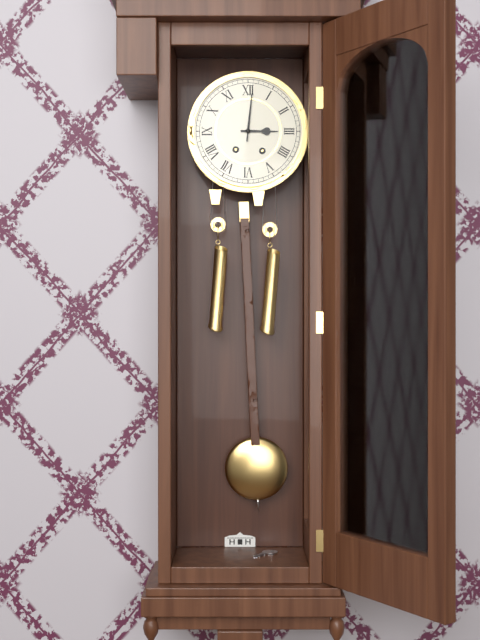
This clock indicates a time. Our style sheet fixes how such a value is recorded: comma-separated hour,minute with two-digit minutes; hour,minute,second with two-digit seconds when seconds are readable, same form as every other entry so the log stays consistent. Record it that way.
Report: 3,01
